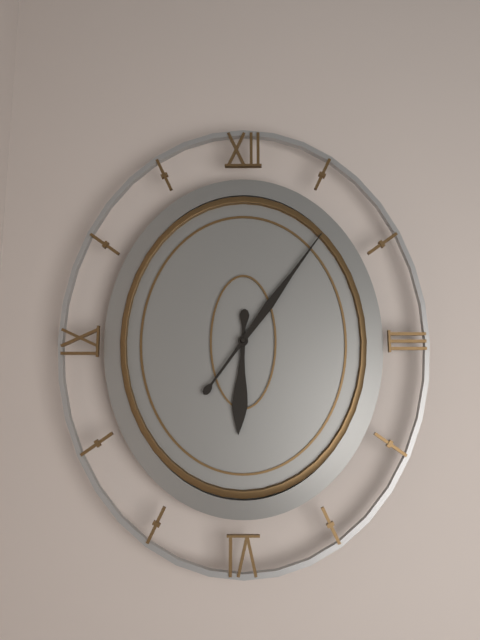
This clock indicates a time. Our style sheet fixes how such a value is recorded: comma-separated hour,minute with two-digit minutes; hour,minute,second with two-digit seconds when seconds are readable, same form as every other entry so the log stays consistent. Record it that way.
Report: 6,06
